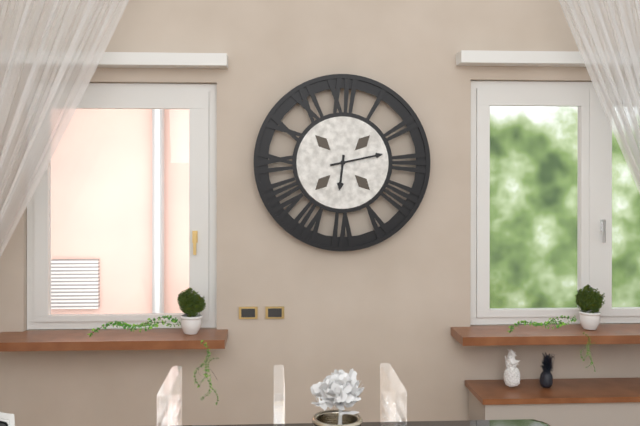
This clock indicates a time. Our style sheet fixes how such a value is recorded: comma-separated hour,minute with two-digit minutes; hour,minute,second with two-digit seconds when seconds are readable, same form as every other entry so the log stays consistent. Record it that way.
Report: 6,13
